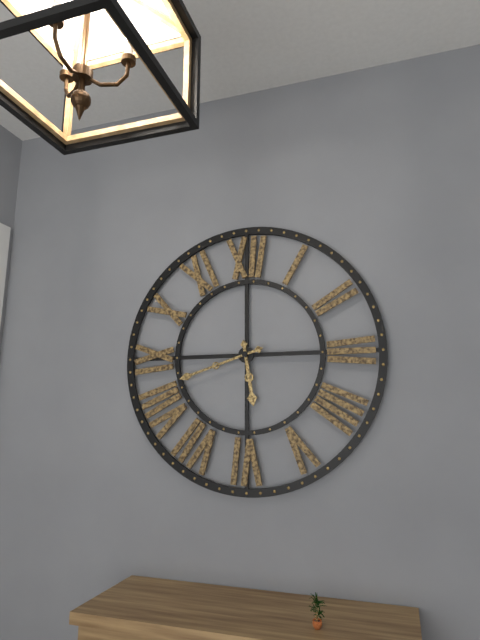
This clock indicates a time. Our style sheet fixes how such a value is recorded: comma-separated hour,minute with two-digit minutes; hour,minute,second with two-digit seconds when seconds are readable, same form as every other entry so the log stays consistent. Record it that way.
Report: 5,42
